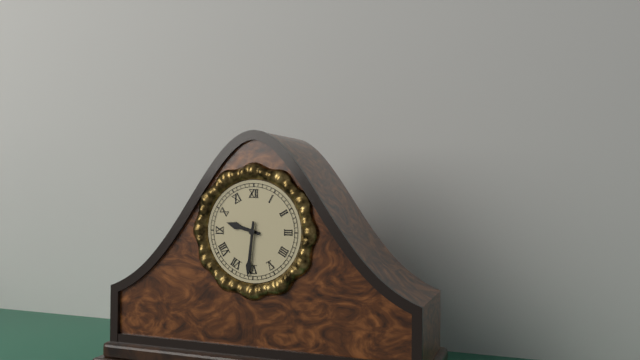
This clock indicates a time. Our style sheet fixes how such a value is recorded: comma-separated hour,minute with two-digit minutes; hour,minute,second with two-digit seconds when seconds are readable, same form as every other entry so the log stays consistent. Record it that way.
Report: 9,31
